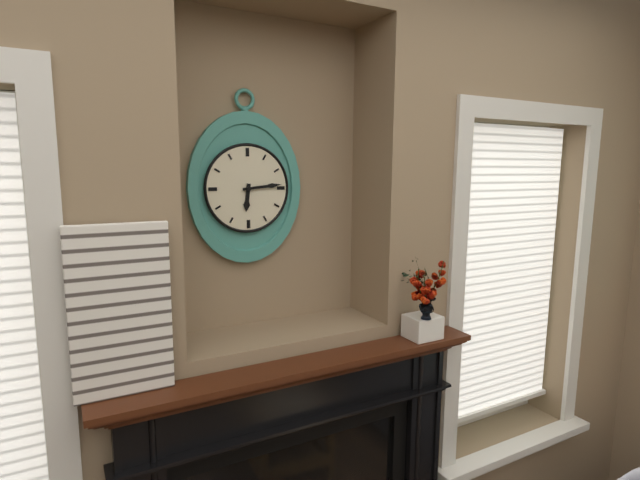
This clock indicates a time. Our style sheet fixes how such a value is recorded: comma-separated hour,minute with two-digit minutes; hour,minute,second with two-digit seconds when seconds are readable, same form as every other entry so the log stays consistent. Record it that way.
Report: 6,14
